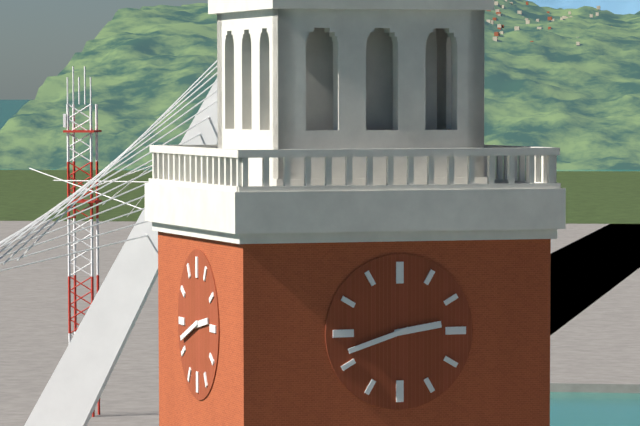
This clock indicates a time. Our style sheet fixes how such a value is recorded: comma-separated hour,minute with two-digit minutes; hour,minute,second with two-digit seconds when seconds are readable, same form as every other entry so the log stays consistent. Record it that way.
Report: 2,42
